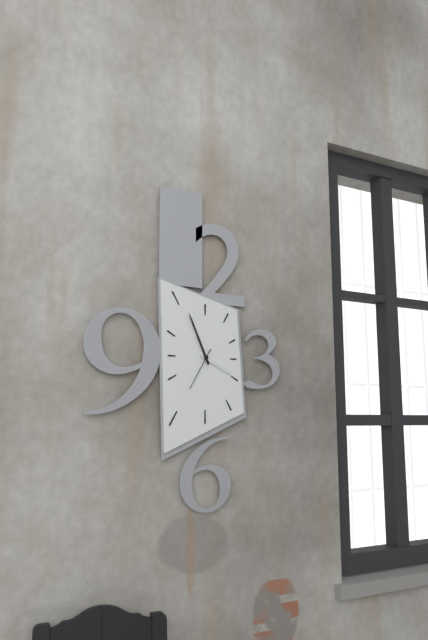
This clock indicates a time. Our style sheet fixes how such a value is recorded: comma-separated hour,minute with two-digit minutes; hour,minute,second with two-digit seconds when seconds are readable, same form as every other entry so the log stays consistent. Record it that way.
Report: 3,56
